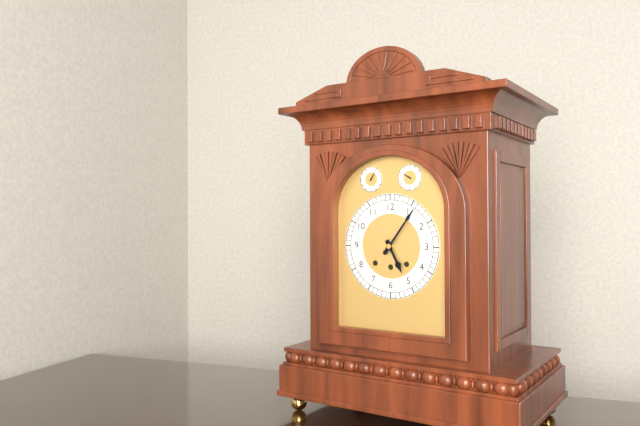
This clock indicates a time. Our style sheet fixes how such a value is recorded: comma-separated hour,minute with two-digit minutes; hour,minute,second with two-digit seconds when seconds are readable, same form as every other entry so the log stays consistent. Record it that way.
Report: 5,06
